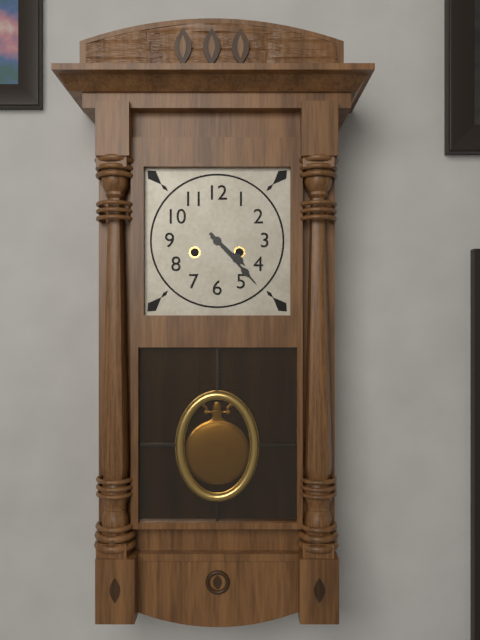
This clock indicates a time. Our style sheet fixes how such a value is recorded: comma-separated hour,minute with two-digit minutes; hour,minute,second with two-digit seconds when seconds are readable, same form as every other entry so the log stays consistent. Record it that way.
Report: 4,23
